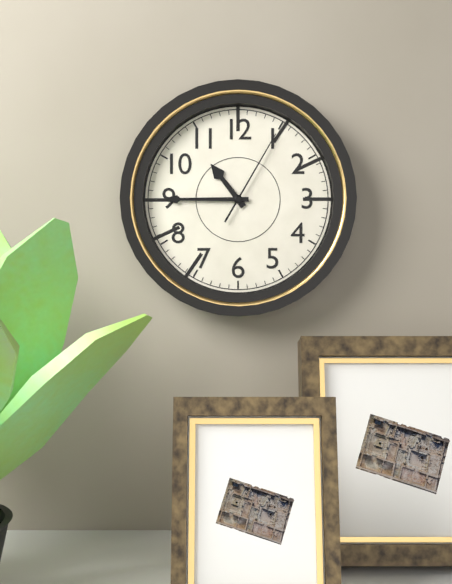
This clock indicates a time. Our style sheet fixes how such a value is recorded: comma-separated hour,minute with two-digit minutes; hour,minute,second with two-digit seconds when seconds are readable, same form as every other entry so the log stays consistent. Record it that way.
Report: 10,45,05
